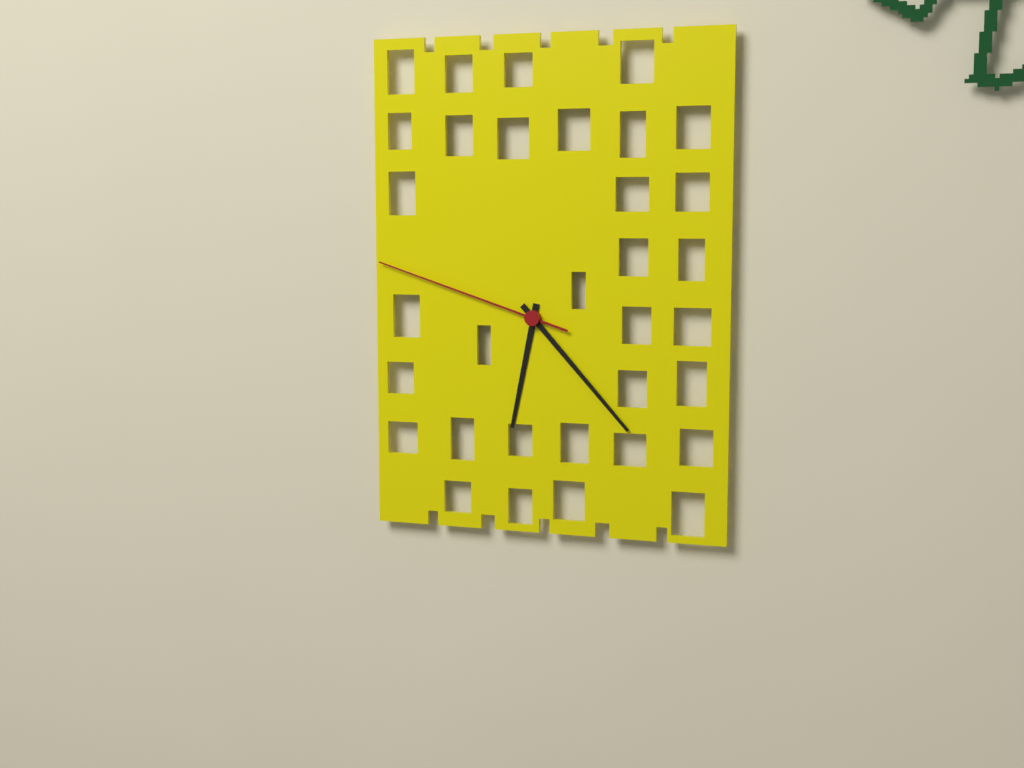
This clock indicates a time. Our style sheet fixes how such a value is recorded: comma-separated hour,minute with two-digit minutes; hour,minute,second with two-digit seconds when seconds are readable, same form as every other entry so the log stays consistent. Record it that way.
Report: 6,23,48
